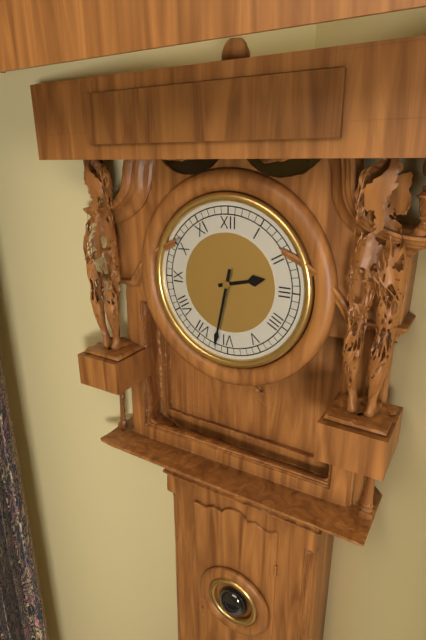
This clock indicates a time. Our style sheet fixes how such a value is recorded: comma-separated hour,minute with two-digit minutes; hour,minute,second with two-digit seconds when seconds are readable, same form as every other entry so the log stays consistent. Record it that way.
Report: 2,32
